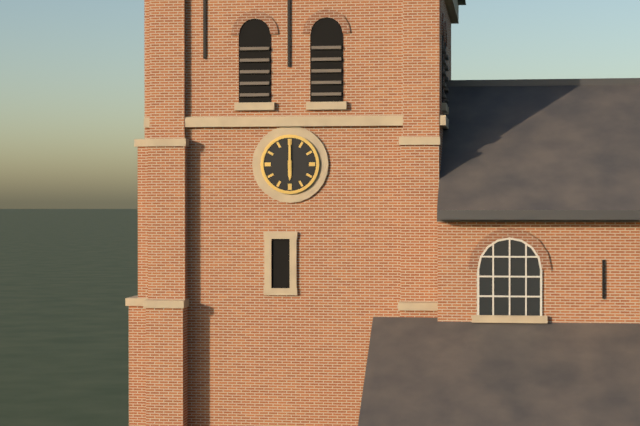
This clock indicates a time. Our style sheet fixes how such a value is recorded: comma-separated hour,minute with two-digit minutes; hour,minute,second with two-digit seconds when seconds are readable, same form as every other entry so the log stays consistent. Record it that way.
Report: 6,00
